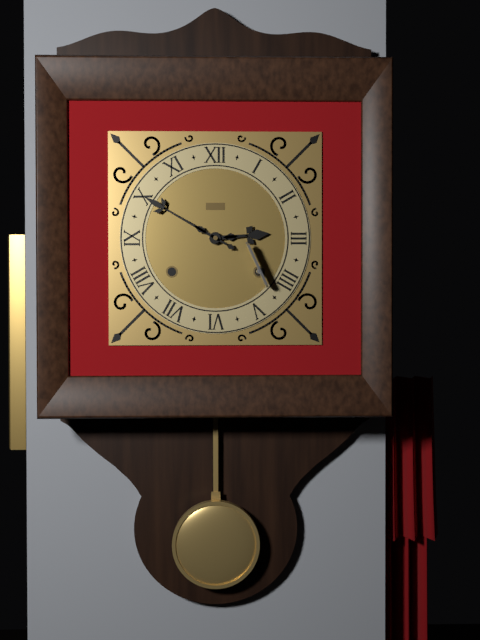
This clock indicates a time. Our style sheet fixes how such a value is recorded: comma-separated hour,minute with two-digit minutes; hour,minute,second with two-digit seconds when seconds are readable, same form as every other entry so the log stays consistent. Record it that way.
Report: 2,50
